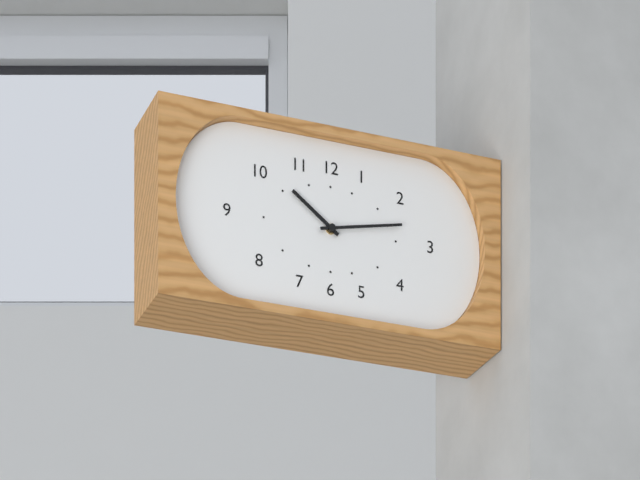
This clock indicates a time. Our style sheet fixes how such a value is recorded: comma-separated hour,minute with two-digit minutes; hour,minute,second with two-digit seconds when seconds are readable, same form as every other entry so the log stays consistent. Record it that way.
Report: 10,13
